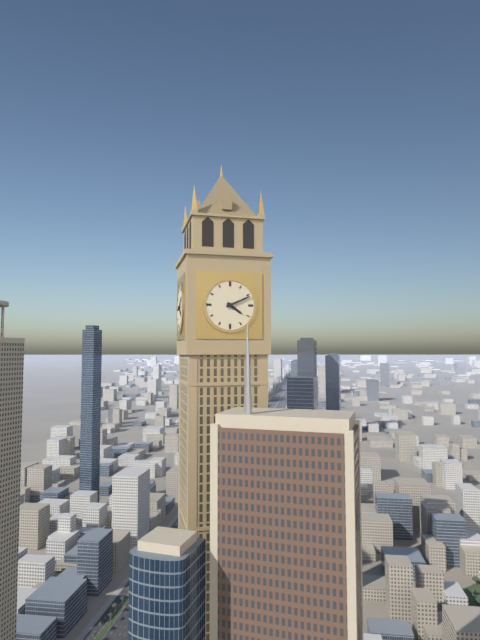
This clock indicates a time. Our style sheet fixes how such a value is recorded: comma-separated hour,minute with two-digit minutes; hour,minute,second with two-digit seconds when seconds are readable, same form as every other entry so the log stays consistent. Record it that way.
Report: 4,11
